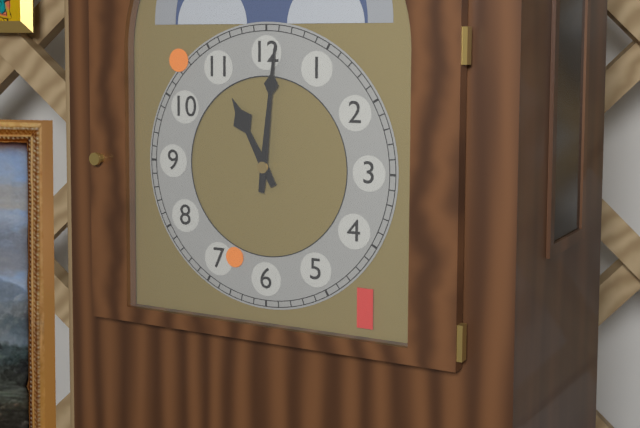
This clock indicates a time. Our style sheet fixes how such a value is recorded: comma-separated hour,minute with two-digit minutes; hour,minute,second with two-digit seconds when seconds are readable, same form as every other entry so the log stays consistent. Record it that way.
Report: 11,01
